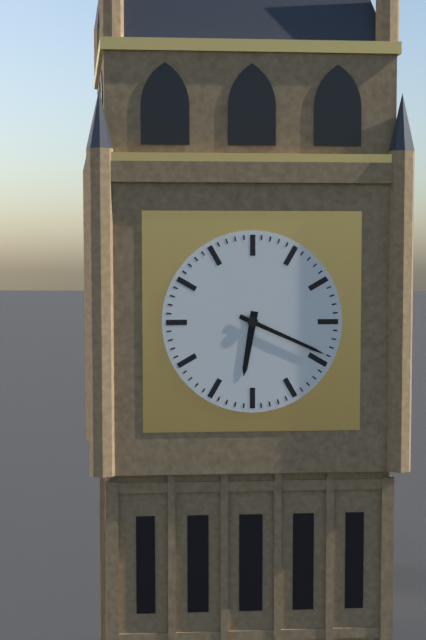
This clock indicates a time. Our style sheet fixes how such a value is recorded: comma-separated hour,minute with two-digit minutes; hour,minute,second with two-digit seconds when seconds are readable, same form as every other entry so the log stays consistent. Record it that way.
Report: 6,19
